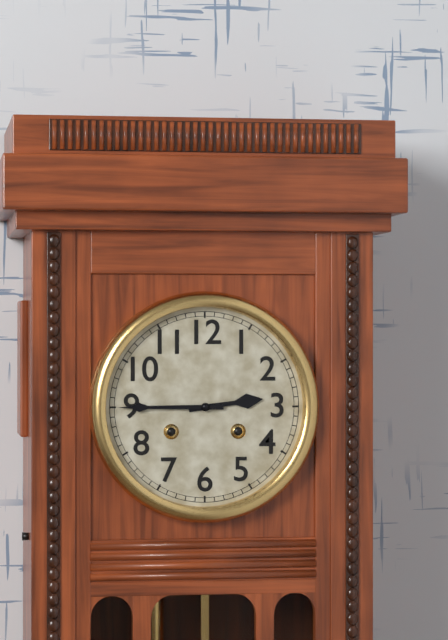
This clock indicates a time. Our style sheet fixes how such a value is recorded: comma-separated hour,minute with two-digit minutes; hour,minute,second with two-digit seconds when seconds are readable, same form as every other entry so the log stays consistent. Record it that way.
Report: 2,45
